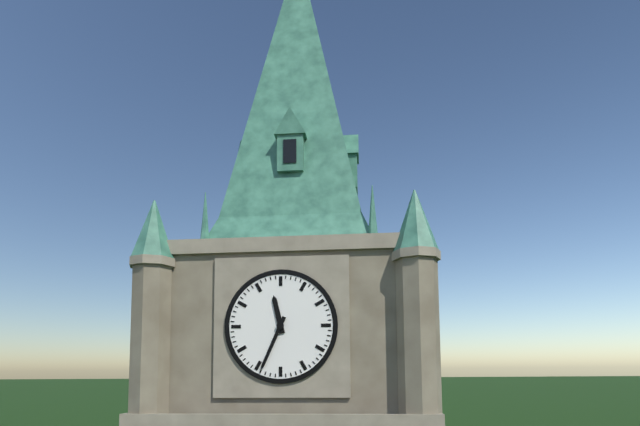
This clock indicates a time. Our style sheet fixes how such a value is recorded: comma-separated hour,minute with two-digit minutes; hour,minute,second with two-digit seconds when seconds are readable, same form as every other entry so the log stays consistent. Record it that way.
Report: 11,34
